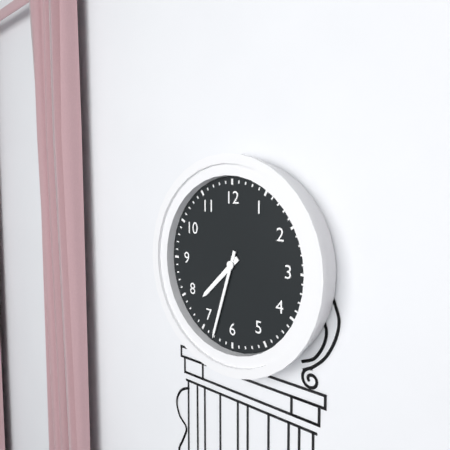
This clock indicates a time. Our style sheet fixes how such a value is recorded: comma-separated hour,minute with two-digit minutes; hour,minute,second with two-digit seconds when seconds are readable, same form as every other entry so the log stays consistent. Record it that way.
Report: 7,33
